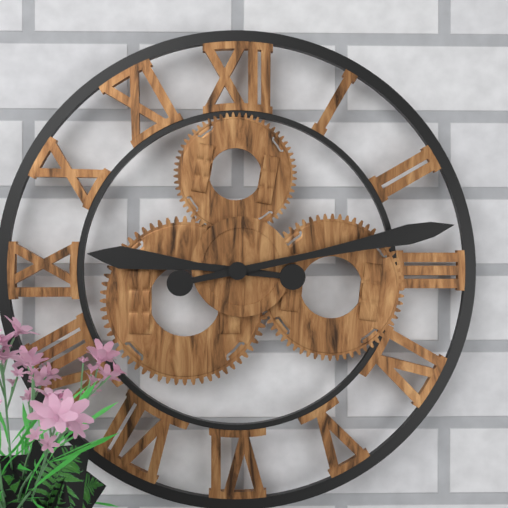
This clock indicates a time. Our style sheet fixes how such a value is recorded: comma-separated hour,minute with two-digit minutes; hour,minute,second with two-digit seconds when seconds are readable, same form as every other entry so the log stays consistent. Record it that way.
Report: 9,13
